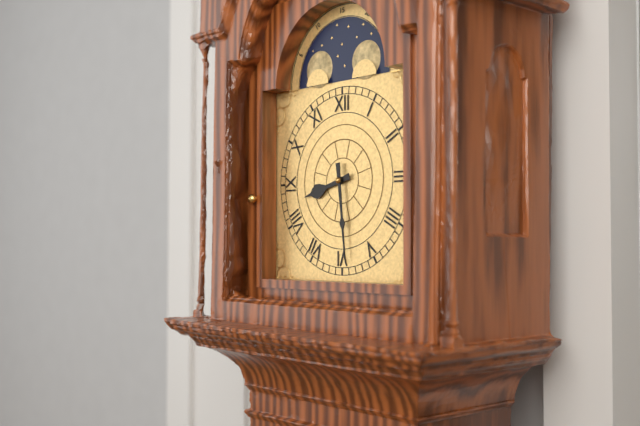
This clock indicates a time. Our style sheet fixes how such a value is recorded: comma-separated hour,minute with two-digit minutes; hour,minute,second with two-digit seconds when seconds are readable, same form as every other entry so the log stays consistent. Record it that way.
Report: 8,29
